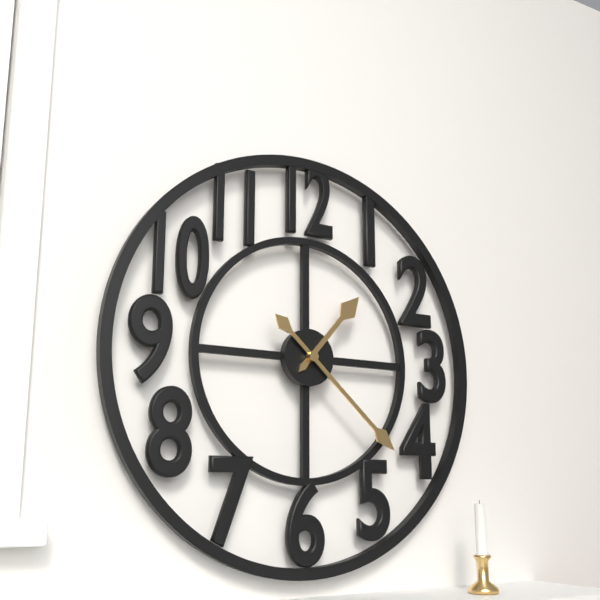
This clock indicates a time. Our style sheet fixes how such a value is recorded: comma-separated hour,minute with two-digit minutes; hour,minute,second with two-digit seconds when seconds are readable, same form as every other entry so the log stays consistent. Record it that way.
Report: 1,22
